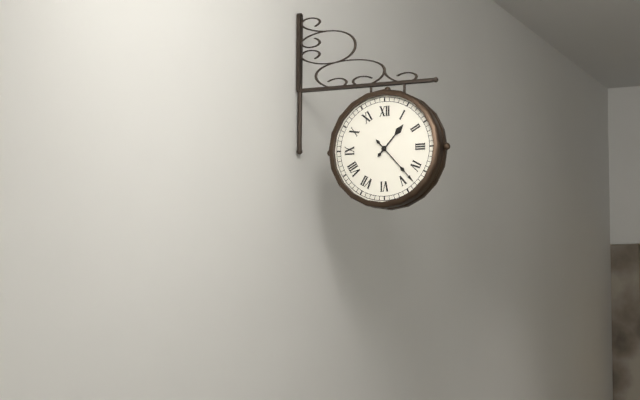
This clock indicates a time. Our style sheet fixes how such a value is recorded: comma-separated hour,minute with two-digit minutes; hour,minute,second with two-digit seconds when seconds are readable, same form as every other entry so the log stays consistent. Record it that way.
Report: 1,23
